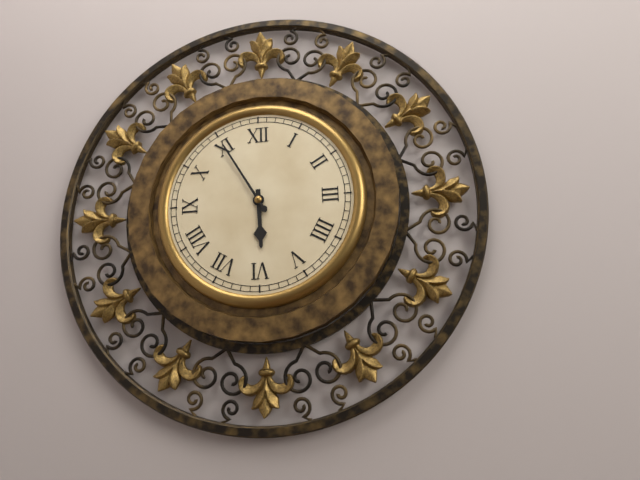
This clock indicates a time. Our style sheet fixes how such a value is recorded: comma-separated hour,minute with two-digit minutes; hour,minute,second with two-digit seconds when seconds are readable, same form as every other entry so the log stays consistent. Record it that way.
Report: 5,55
